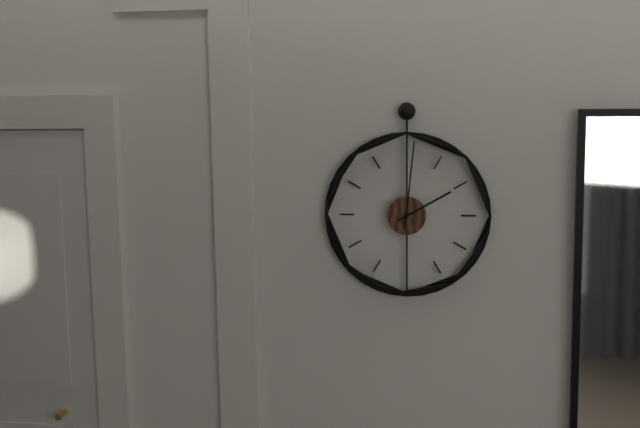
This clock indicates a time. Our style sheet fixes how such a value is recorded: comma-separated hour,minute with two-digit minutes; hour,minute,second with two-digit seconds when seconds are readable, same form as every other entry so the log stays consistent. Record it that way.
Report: 2,01
